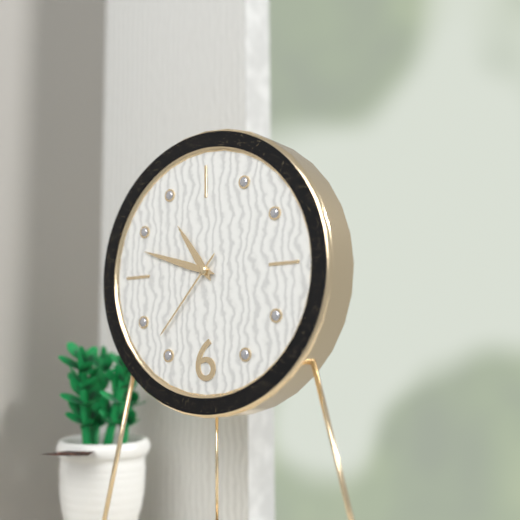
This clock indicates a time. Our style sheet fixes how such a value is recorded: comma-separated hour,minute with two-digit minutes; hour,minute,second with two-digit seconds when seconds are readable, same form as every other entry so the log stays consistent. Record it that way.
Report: 10,48,37
